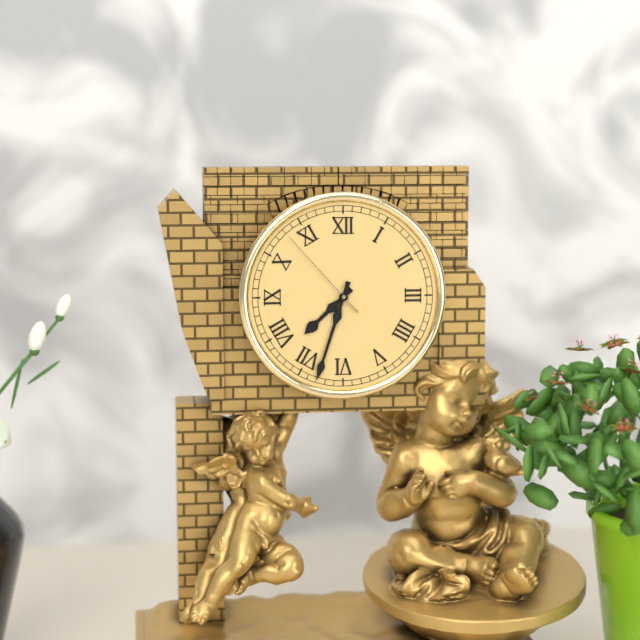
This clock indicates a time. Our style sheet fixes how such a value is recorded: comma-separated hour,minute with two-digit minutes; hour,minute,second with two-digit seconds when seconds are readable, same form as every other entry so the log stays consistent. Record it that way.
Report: 7,33,53
